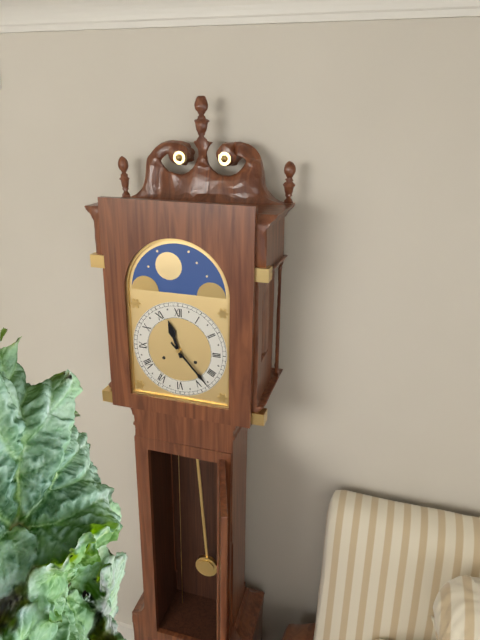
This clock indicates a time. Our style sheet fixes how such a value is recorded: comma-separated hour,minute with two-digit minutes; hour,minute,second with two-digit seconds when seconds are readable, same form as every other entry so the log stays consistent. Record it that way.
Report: 11,23
